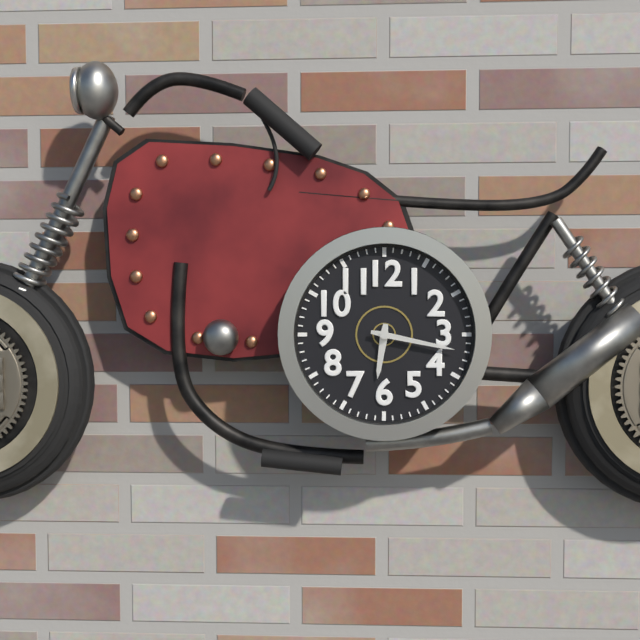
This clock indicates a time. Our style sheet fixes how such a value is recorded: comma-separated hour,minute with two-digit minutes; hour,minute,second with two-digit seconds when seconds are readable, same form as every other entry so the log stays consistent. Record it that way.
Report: 6,17
